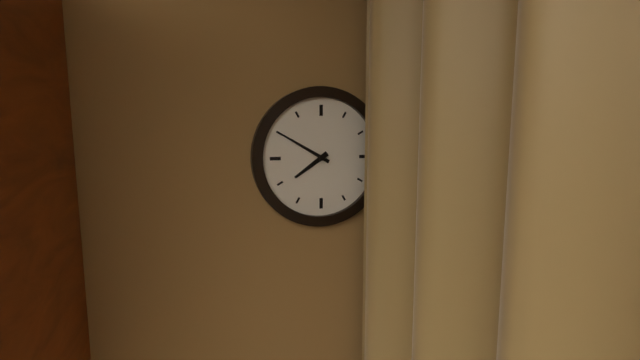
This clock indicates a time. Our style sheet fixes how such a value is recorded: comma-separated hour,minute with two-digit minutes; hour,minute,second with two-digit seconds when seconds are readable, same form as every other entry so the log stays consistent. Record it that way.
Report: 7,50
